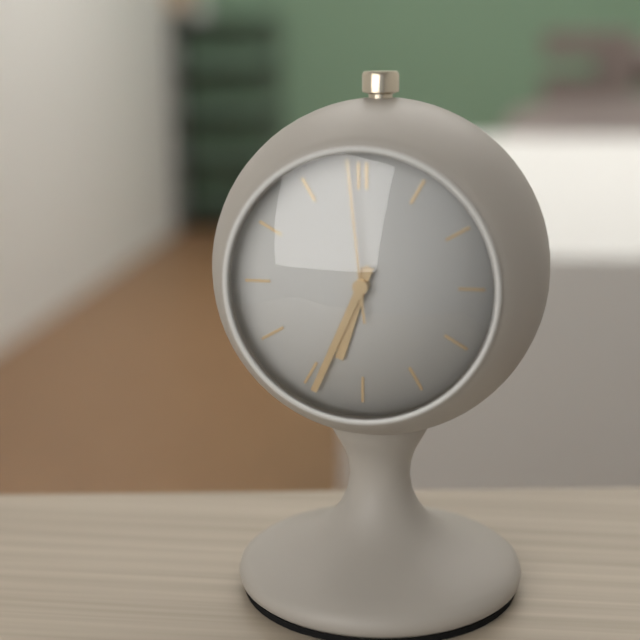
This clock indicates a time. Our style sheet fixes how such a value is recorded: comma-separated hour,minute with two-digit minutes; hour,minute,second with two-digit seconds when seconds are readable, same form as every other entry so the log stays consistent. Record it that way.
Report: 6,34,59
